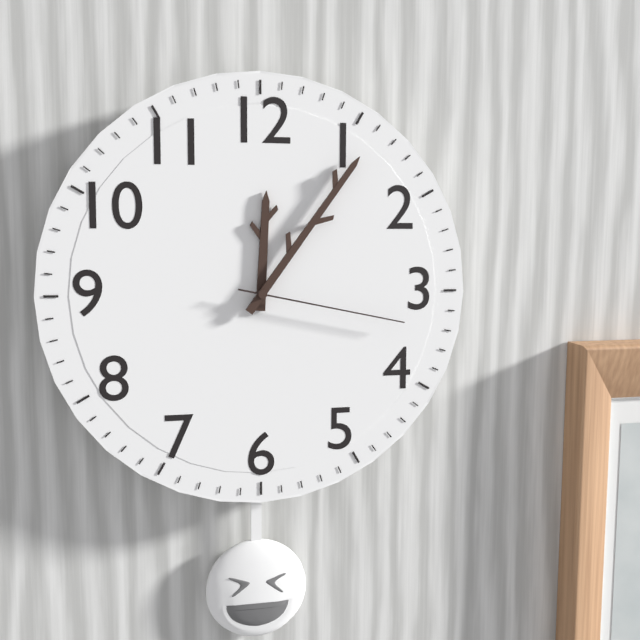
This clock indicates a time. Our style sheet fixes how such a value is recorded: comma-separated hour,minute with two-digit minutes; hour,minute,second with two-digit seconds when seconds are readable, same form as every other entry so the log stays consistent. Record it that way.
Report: 12,06,17
